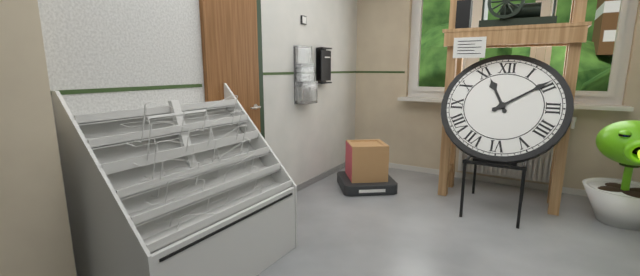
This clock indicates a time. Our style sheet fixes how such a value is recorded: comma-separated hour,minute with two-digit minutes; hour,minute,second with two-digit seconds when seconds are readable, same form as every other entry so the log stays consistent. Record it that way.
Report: 11,09
